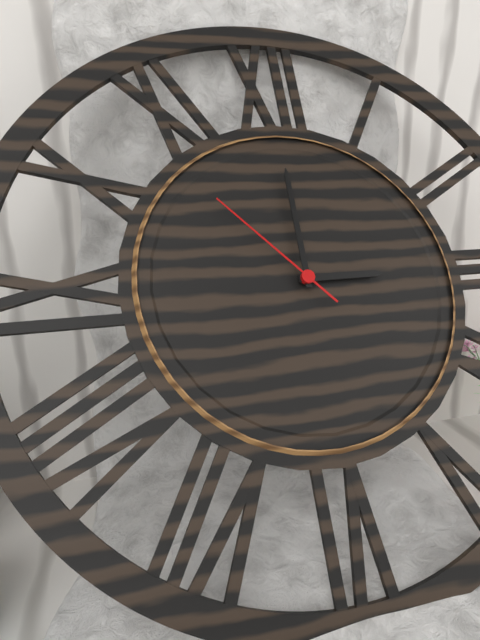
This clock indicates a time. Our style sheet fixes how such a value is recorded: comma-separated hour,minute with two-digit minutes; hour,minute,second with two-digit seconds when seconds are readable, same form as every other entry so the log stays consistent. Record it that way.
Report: 3,00,53
